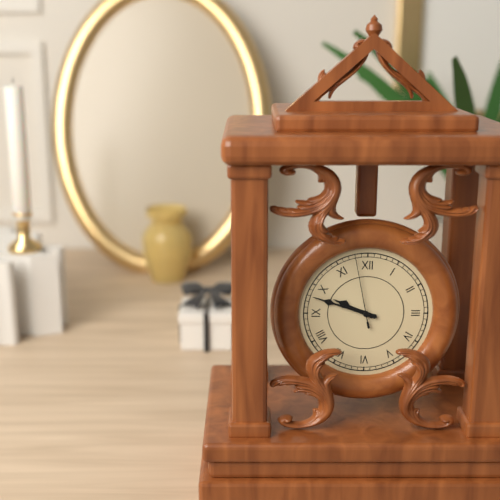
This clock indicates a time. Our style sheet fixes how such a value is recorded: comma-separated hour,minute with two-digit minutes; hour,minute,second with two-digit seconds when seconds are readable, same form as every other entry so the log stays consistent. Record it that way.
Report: 9,48,58
